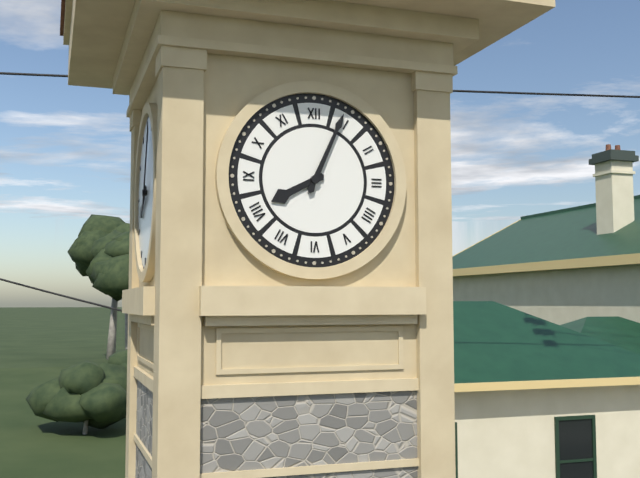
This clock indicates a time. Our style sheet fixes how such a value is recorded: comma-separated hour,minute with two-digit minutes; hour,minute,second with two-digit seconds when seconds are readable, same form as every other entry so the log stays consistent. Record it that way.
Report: 8,04
